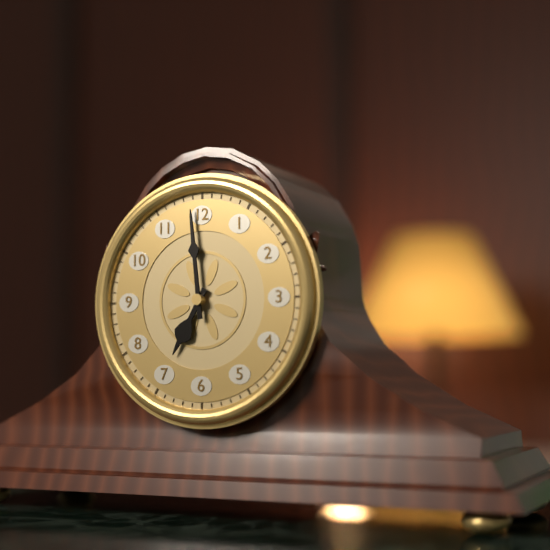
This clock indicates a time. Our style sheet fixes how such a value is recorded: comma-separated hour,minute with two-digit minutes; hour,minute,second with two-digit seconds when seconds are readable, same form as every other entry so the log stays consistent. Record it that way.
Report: 6,59
